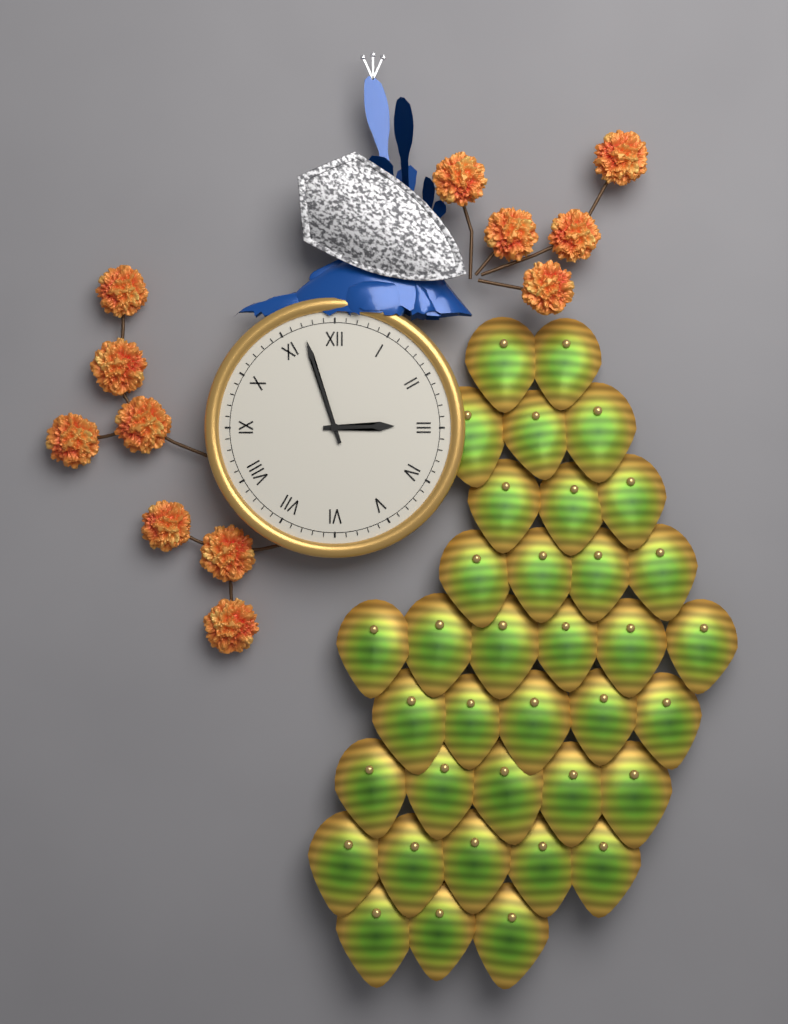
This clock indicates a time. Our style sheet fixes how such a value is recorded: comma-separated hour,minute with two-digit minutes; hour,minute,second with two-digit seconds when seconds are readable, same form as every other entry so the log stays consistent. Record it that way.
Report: 2,57
